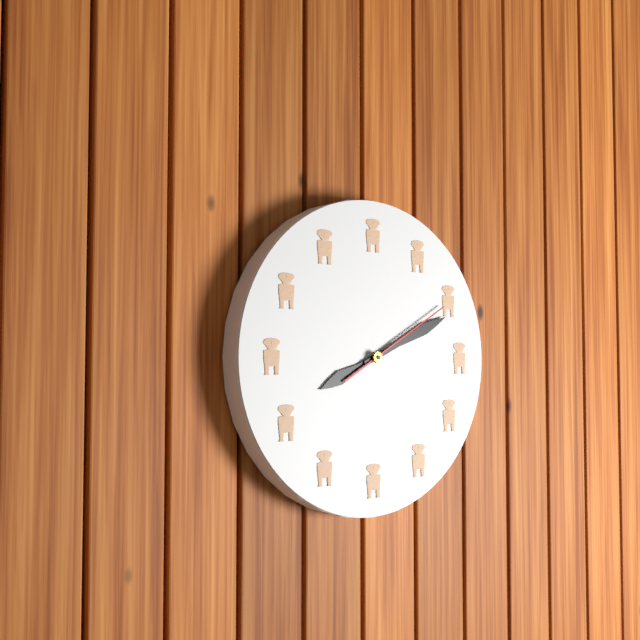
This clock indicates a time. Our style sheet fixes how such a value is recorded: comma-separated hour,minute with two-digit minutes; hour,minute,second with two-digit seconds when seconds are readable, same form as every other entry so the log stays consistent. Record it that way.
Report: 8,11,10
